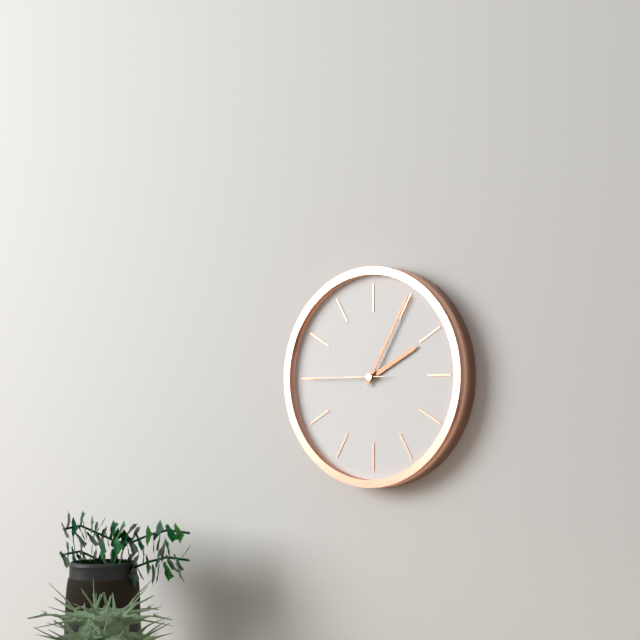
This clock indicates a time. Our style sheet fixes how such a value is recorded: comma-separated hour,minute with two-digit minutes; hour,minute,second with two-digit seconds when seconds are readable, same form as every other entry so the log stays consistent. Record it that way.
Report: 2,05,45
